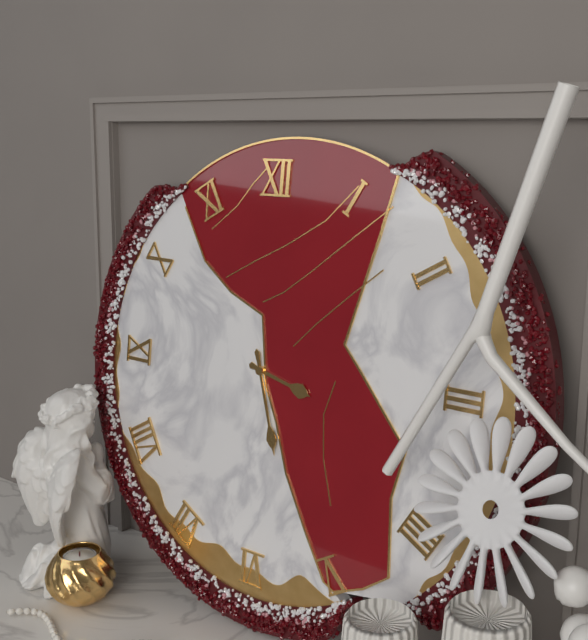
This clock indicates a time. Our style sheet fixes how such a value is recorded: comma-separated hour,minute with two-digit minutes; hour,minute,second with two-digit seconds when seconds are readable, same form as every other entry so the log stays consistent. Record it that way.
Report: 3,27
